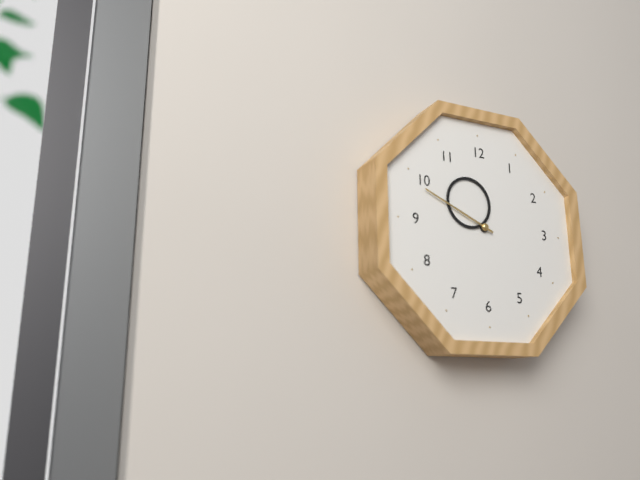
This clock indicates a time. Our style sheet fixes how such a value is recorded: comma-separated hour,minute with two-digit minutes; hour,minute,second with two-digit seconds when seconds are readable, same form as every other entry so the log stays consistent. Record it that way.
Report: 10,49
